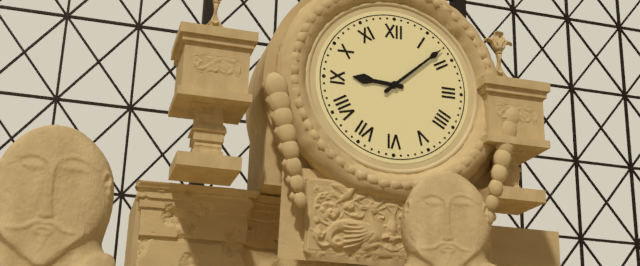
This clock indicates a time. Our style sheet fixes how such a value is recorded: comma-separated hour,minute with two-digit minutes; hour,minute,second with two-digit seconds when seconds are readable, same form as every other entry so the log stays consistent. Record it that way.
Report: 9,08
